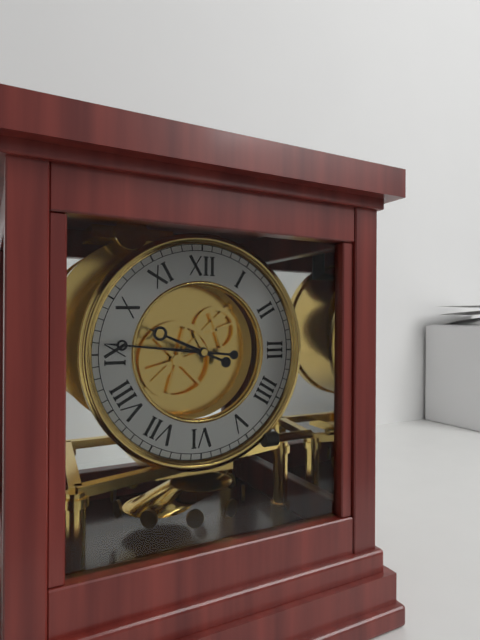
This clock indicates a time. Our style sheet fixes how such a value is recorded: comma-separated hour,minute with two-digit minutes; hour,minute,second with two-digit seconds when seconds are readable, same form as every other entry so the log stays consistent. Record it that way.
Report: 9,46
